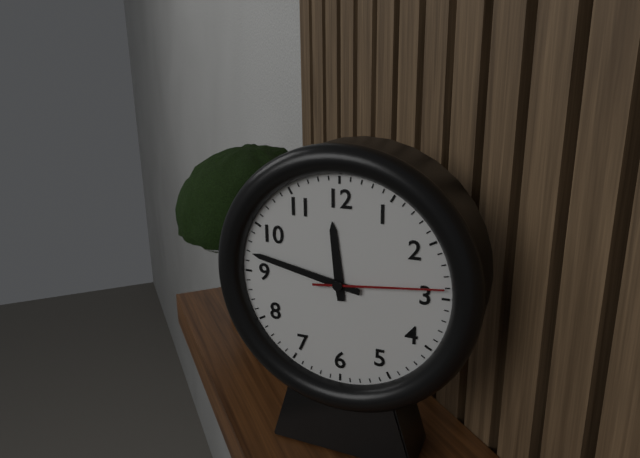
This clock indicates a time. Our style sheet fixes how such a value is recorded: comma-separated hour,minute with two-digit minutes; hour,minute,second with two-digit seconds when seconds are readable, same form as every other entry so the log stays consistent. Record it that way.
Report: 11,47,14
